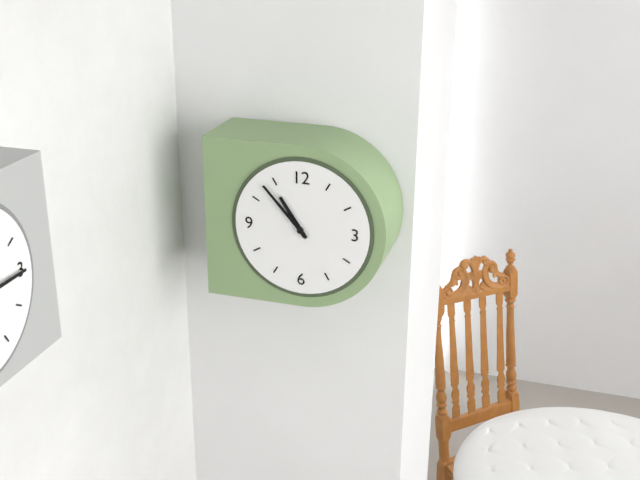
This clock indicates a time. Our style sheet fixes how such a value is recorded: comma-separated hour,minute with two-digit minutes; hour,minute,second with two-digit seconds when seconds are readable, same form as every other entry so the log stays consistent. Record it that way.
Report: 10,53
